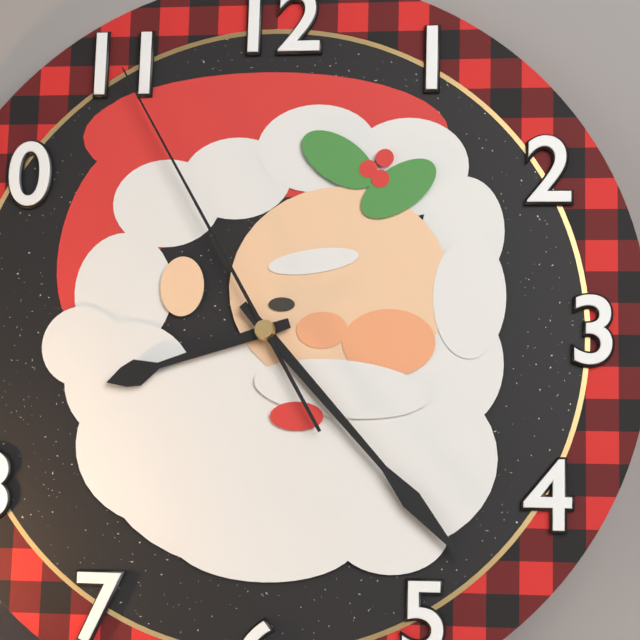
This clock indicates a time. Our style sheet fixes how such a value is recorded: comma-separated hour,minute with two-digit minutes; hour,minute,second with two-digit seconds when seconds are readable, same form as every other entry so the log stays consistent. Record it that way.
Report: 8,23,55
